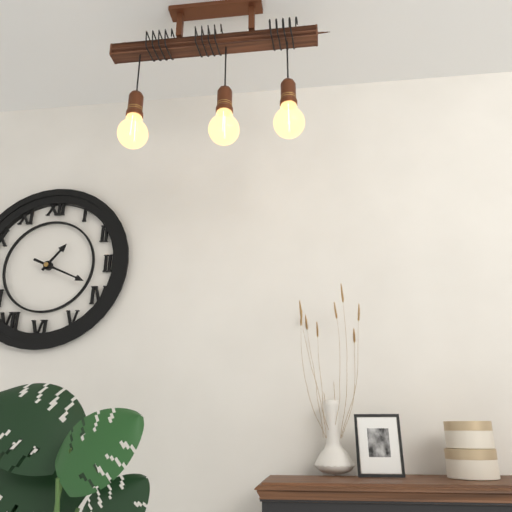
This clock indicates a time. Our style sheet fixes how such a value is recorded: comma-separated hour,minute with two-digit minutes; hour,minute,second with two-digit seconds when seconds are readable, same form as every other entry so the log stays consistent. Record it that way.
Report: 1,19
